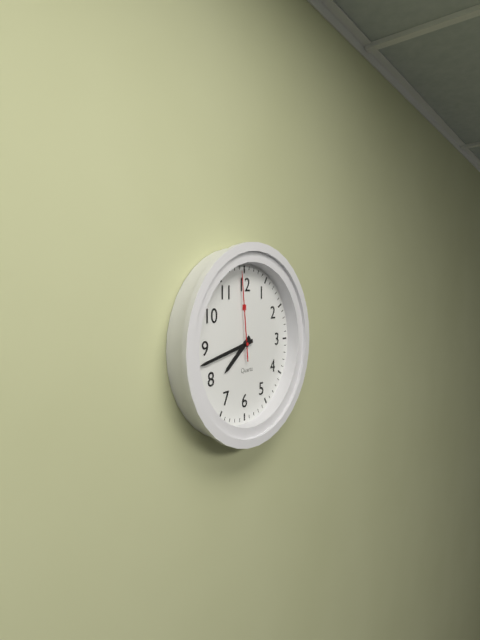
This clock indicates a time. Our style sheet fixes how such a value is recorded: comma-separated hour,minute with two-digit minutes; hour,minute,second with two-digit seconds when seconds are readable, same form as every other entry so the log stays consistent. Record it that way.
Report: 7,43,59
